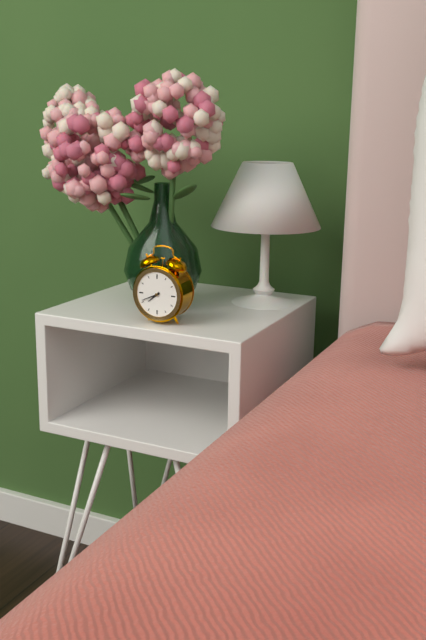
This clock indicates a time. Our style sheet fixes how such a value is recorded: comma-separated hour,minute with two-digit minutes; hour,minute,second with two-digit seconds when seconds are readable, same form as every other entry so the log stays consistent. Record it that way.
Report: 7,41
